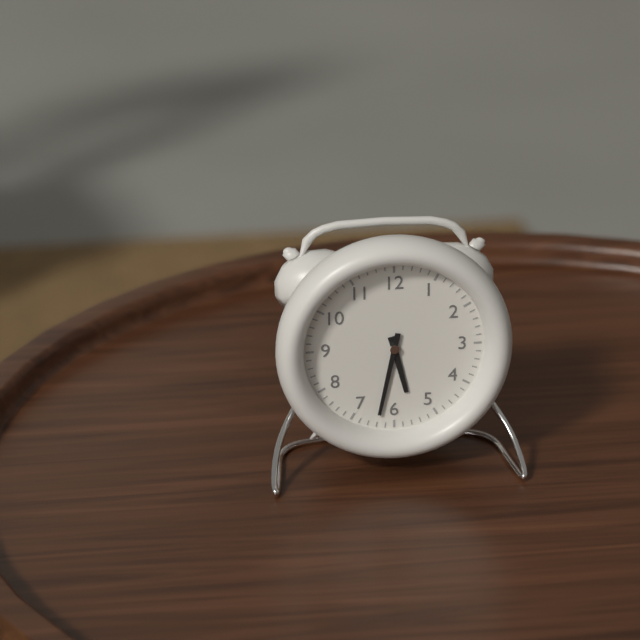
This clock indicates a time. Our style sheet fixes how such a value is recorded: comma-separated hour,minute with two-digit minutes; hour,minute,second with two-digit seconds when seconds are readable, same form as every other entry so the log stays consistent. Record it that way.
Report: 5,32
